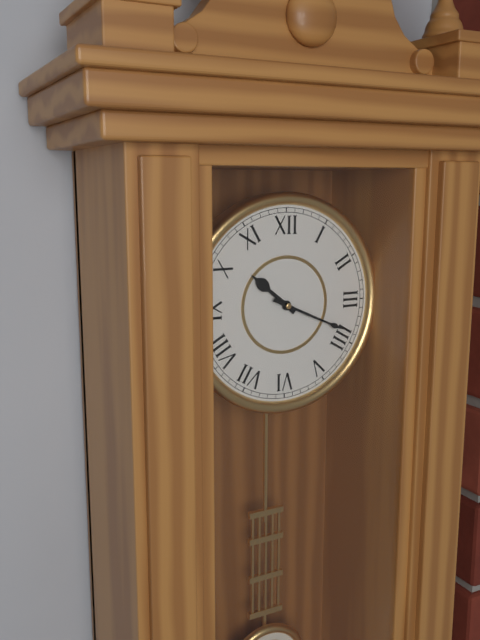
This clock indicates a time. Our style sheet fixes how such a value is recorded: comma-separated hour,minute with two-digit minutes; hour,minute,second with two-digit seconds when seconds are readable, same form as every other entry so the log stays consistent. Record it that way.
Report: 10,19
